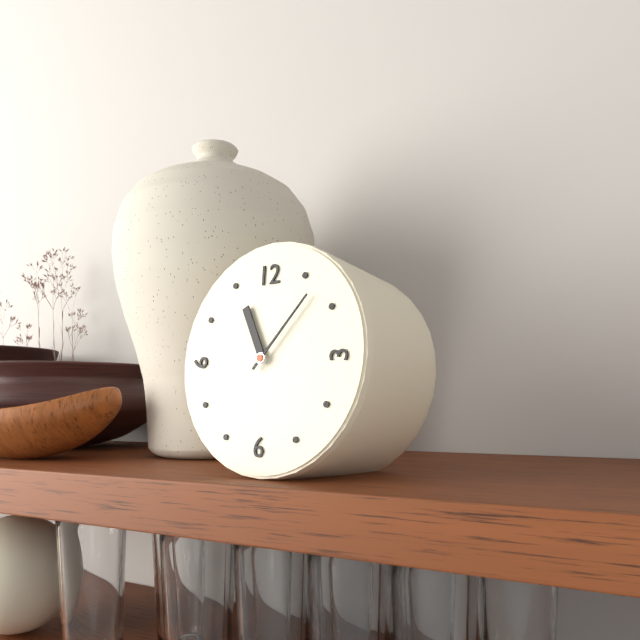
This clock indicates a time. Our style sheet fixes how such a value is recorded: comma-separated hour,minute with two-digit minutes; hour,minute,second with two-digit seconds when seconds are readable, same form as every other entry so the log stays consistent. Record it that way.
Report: 11,07
